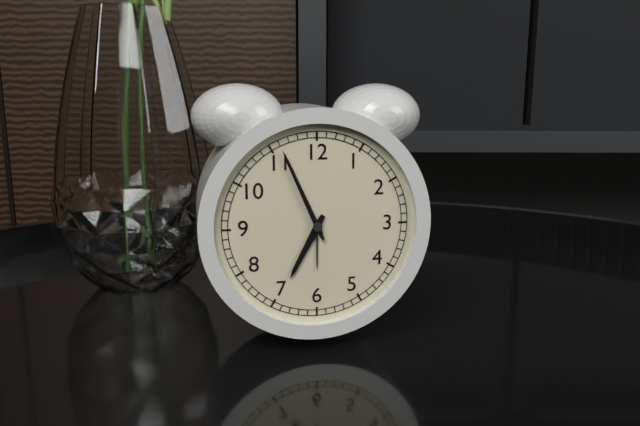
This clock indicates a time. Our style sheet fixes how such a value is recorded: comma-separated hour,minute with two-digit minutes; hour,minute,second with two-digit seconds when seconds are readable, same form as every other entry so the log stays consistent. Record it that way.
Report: 6,56
